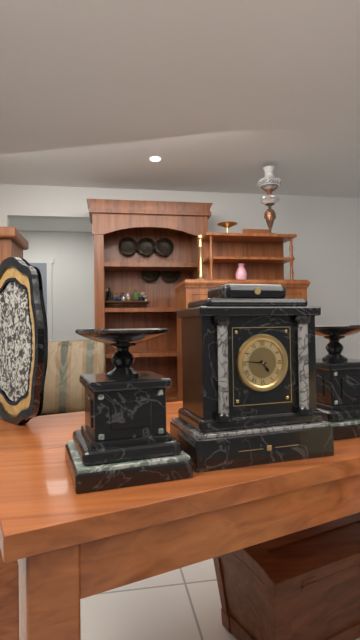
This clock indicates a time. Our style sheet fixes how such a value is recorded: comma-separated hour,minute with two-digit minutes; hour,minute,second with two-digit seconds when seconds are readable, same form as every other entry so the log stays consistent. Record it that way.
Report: 4,46
